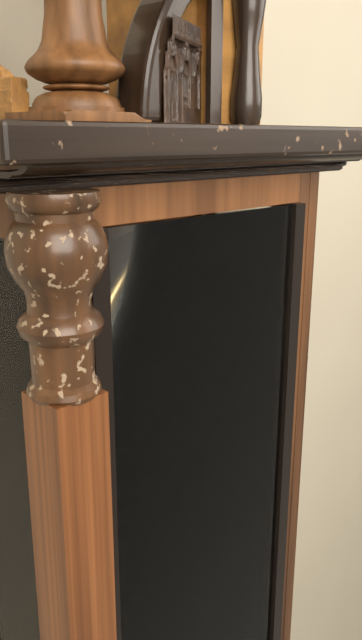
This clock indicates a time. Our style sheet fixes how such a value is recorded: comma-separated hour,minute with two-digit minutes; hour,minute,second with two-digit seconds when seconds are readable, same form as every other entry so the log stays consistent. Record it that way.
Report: 3,53
